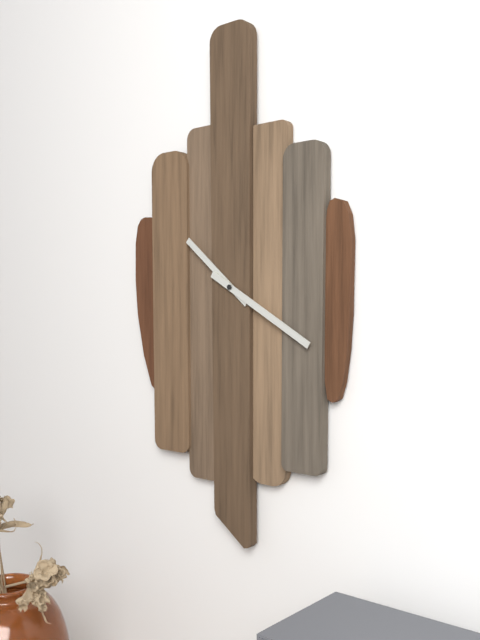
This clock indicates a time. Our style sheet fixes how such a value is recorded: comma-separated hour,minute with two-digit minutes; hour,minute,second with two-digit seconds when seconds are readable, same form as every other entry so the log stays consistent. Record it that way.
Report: 10,20
